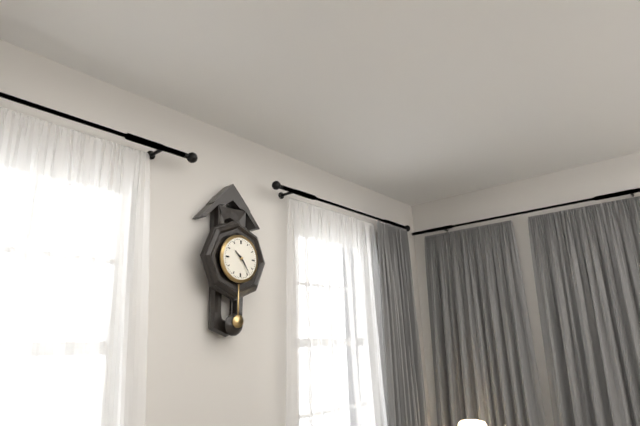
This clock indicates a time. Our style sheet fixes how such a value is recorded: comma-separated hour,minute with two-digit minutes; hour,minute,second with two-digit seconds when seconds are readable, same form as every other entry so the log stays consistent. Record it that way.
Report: 10,24
